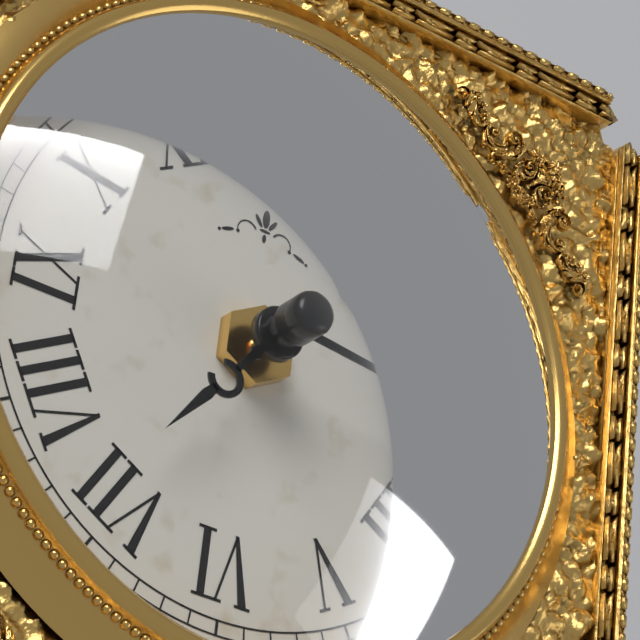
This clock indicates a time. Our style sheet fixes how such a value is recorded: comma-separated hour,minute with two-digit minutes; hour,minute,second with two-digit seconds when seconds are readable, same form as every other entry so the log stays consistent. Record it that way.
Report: 7,16
